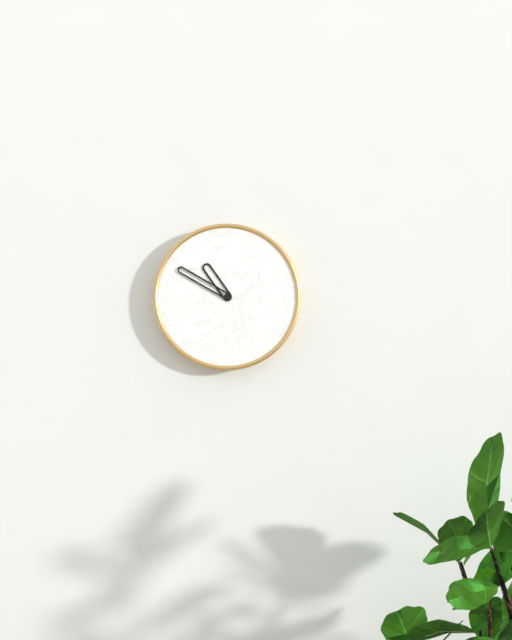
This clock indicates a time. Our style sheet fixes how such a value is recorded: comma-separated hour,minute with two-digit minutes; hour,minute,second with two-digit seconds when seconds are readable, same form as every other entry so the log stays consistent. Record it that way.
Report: 10,50
